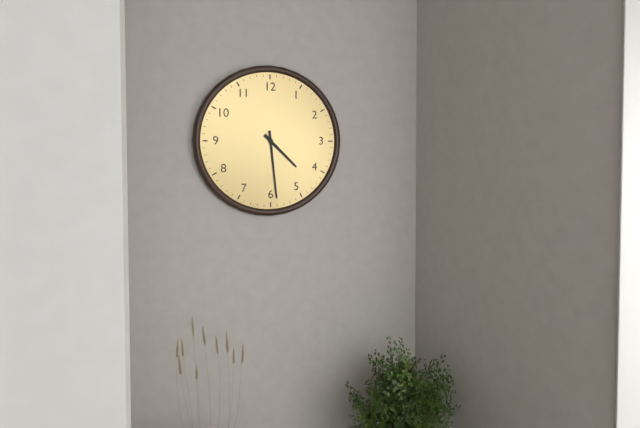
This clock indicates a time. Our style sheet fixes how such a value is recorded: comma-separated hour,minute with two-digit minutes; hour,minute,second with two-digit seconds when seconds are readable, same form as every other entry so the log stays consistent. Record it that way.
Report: 4,29
